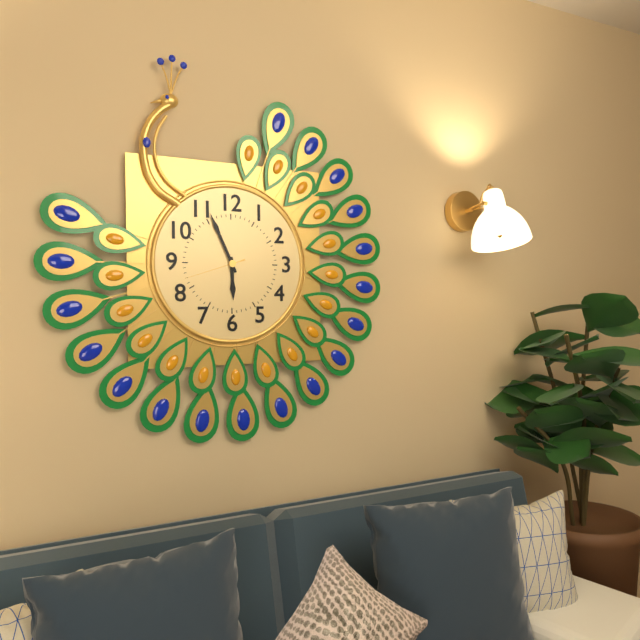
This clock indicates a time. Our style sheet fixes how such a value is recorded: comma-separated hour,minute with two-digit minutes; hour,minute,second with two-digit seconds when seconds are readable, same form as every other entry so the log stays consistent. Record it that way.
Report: 5,56,42
